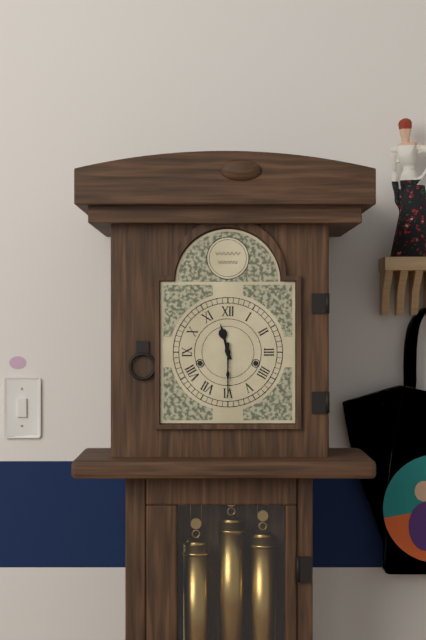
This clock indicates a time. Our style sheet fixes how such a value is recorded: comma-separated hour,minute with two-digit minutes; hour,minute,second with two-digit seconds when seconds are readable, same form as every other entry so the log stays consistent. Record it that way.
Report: 11,30
